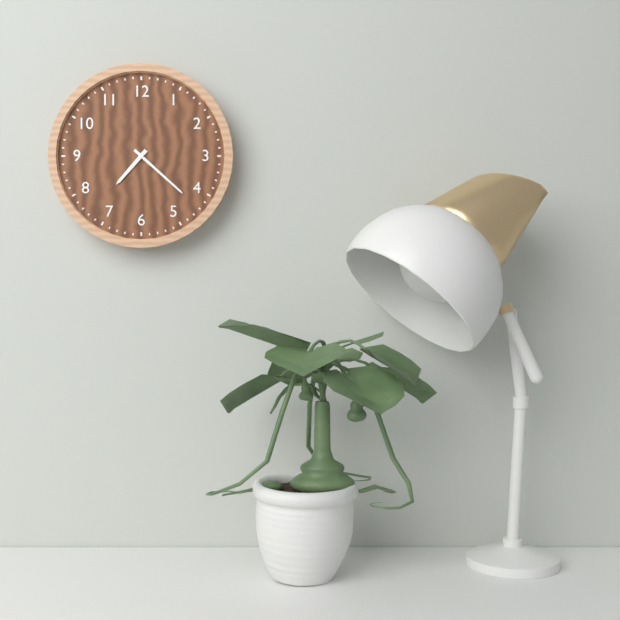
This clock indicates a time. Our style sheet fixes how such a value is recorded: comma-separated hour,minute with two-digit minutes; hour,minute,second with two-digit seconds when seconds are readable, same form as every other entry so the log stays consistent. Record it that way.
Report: 7,22
